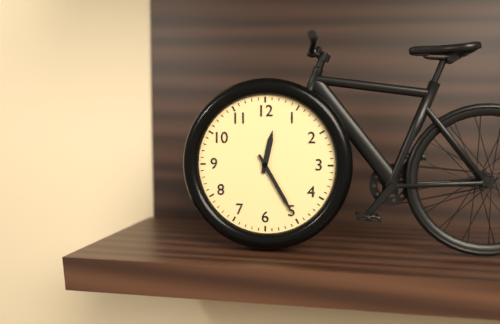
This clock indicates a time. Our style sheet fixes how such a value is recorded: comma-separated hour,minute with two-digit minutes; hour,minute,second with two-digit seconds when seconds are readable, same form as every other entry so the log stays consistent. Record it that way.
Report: 12,25
